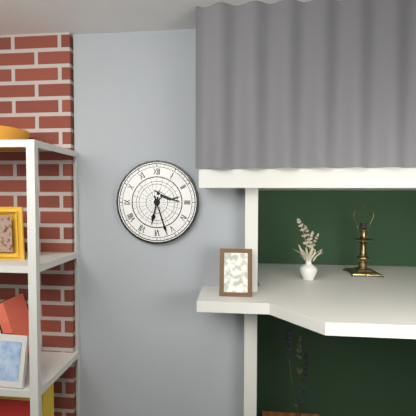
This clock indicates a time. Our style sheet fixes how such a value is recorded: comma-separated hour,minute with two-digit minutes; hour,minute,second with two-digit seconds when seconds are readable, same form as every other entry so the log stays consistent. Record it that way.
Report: 6,27
